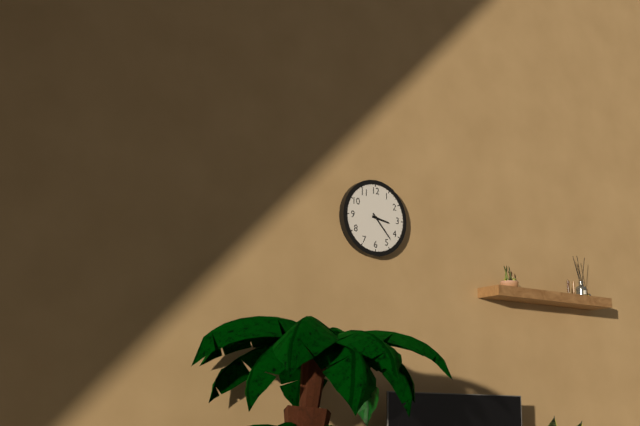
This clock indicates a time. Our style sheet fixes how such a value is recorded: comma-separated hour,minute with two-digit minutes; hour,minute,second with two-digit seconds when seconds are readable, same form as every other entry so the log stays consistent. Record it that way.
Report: 3,23
